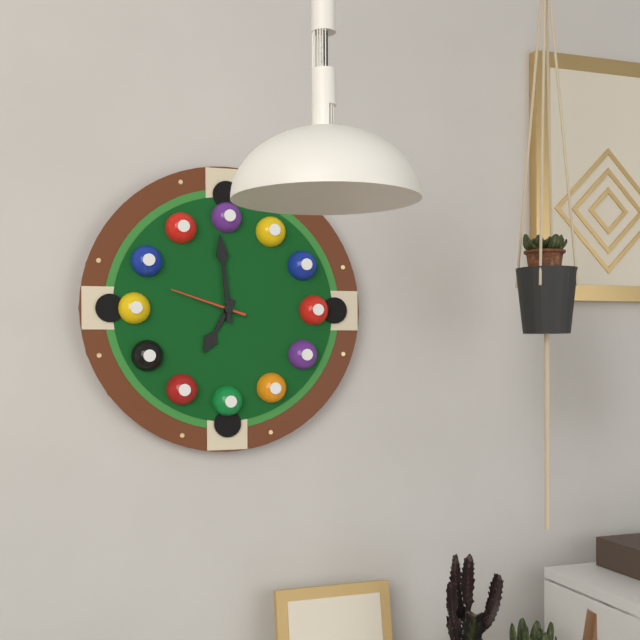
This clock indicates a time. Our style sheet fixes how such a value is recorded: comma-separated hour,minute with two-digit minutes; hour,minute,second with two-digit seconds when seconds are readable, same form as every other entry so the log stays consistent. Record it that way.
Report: 6,59,48
